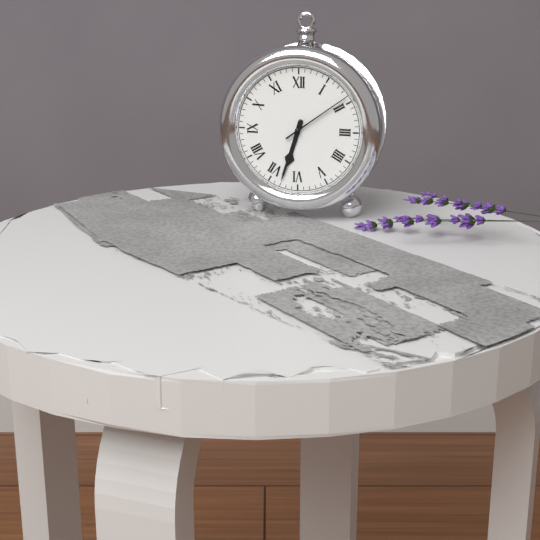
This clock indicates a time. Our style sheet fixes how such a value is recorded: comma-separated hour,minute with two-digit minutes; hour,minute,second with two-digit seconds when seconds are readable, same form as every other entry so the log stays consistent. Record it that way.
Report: 6,33,09
